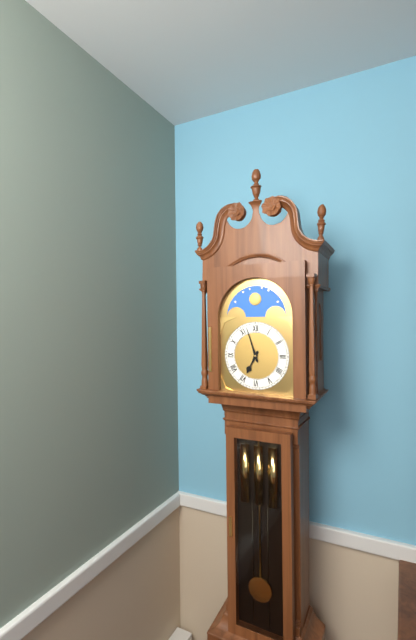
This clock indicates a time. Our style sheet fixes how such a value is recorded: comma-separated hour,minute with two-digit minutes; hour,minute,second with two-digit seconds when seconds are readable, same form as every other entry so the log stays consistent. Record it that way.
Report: 6,57
